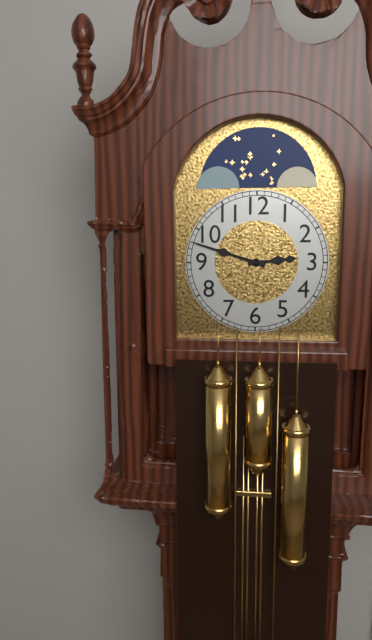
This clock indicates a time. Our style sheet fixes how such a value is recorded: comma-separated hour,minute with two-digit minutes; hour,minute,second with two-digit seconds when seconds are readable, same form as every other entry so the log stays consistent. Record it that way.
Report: 2,48
